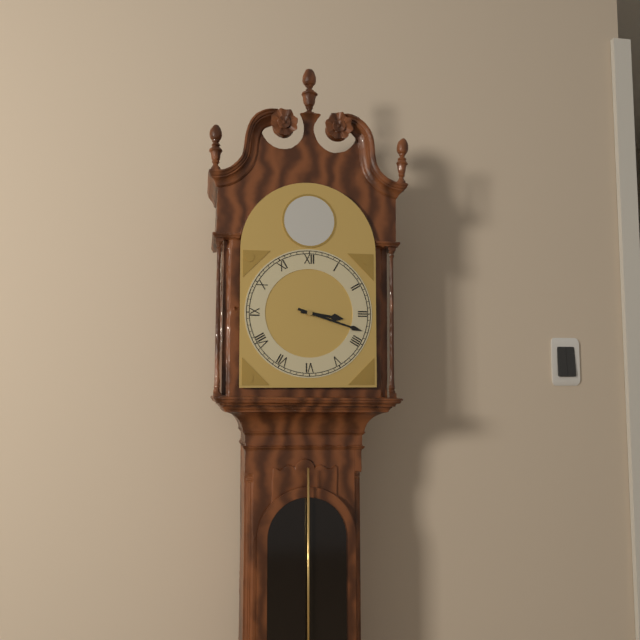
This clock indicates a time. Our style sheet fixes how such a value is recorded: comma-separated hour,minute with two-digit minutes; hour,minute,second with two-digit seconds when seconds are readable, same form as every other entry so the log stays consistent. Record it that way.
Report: 3,18
